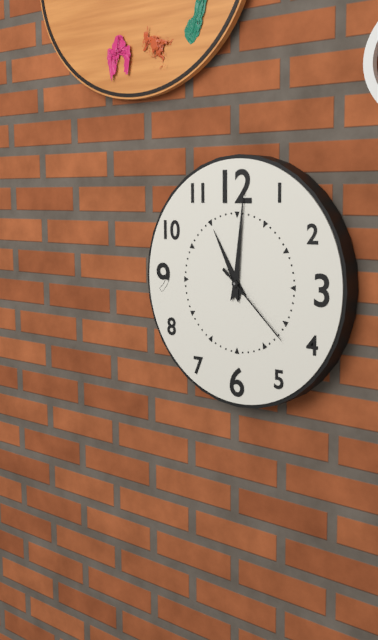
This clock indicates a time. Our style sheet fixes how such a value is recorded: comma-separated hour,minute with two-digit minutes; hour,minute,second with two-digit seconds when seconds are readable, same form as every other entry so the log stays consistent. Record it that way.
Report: 11,01,22
